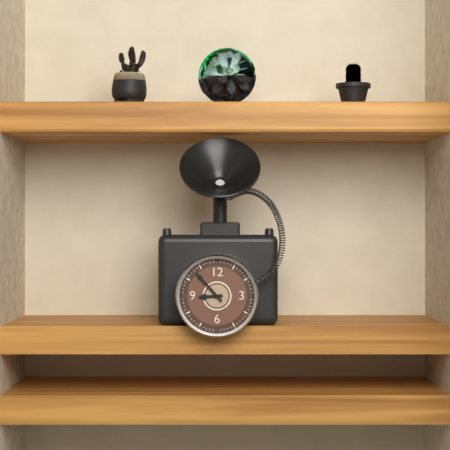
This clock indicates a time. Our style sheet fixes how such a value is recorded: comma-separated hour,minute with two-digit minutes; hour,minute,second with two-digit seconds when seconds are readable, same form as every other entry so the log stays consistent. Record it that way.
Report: 8,53
